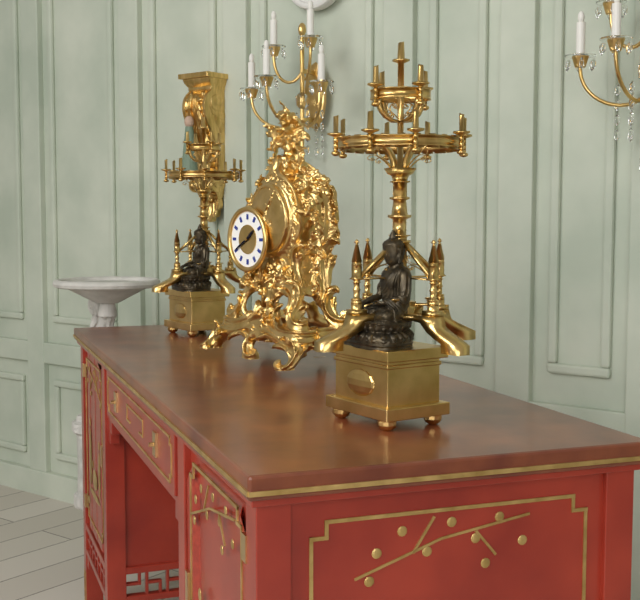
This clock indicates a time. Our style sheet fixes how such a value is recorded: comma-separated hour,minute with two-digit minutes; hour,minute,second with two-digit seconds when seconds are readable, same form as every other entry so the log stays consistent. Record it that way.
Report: 1,40
